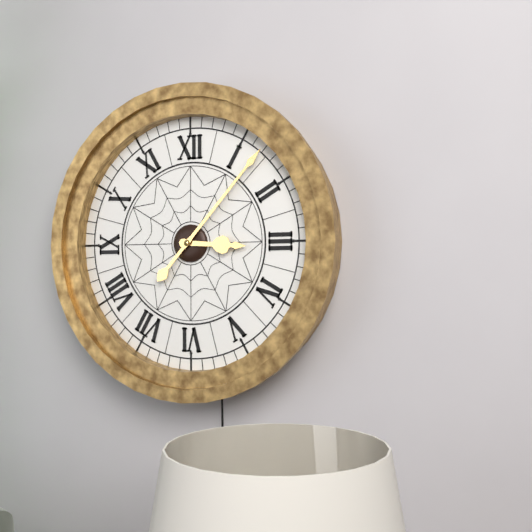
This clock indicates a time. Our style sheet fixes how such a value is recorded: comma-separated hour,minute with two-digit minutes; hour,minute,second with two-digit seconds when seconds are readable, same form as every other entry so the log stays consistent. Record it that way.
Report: 3,07
